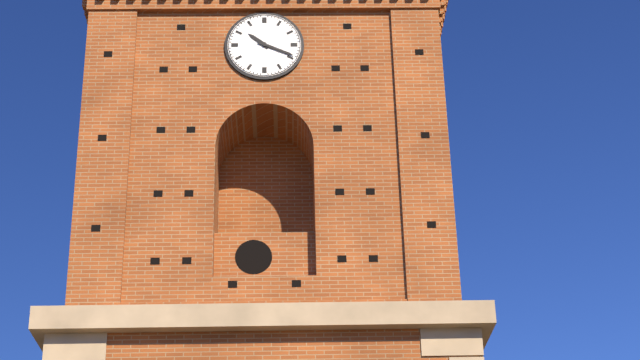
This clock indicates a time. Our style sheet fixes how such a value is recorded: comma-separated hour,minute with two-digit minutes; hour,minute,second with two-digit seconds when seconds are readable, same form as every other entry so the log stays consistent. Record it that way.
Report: 10,19
